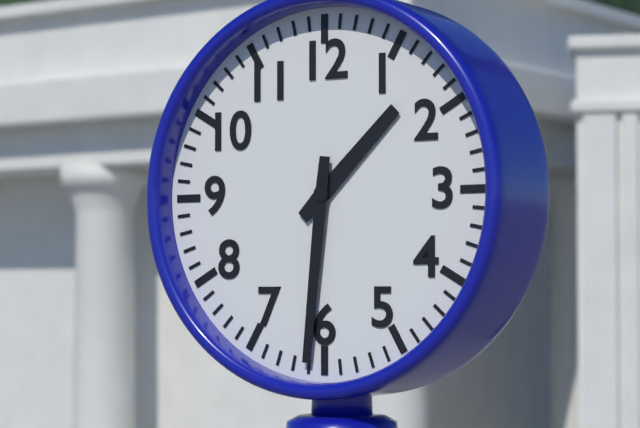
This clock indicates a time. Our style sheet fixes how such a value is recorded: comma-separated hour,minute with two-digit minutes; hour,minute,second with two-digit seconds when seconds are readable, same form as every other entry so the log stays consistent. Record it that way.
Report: 1,31
